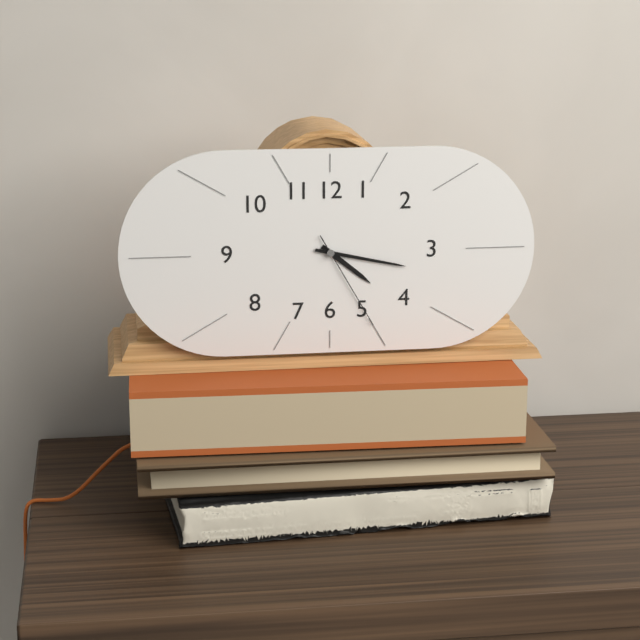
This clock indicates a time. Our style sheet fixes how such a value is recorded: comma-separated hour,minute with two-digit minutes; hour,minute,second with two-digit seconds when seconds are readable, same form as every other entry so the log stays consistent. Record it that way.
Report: 4,17,25
